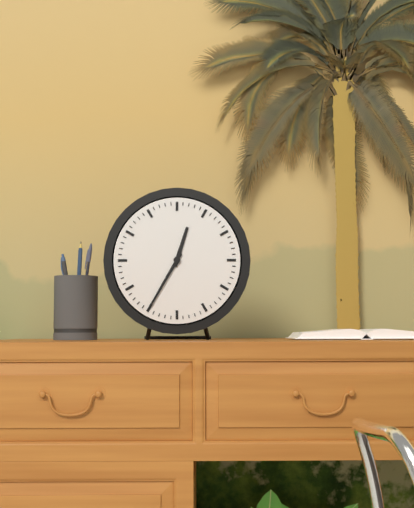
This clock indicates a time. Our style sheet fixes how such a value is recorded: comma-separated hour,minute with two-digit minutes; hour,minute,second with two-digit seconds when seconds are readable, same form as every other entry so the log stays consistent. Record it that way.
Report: 12,35
